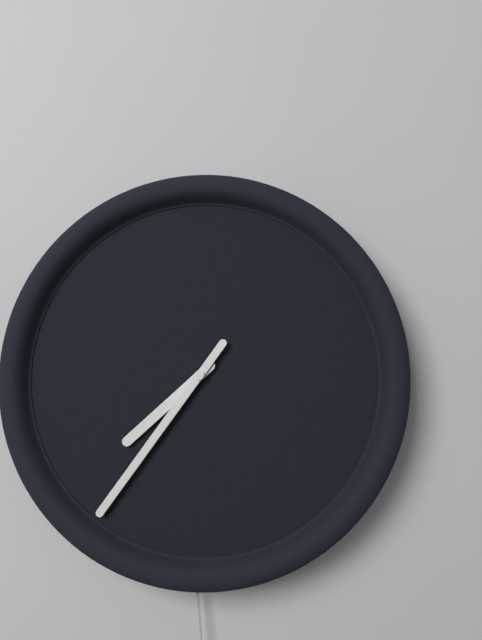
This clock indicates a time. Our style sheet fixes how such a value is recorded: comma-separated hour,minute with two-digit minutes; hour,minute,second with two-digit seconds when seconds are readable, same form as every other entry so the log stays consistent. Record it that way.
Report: 7,36
